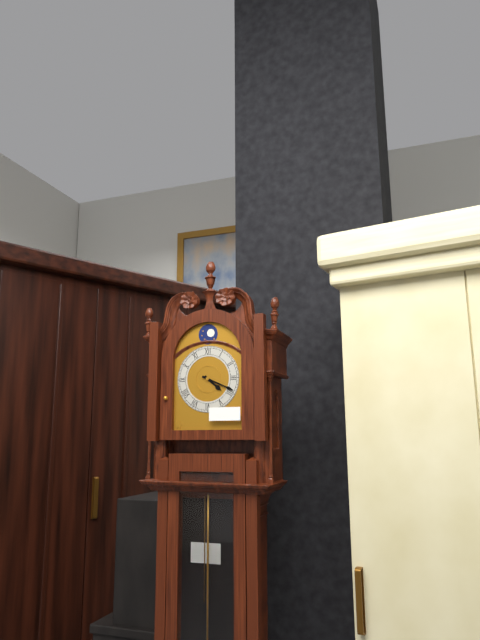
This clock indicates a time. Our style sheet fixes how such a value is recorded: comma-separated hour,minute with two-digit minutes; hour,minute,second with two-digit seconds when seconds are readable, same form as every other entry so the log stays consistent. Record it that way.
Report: 4,19
